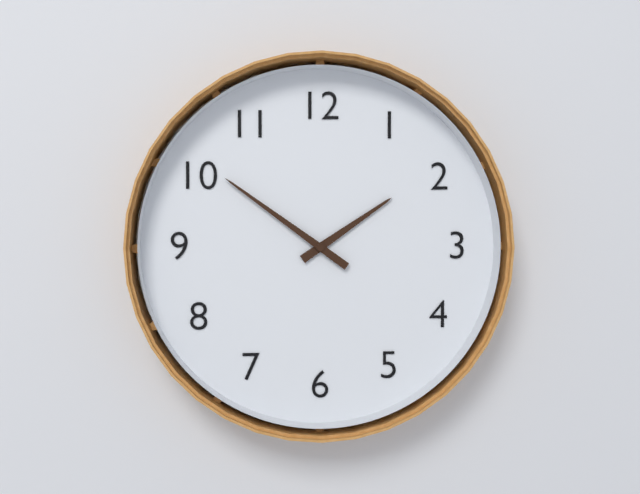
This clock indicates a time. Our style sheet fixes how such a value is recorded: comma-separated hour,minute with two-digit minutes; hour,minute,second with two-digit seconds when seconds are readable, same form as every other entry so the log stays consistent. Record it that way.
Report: 1,51
